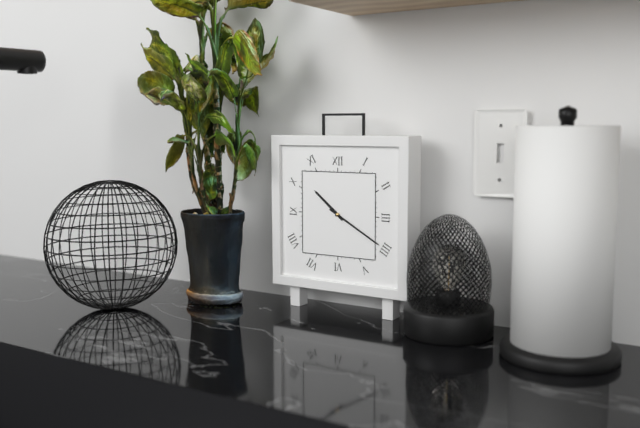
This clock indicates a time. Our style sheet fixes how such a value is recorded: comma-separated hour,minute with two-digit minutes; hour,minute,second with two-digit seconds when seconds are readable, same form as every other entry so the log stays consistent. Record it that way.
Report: 10,20
